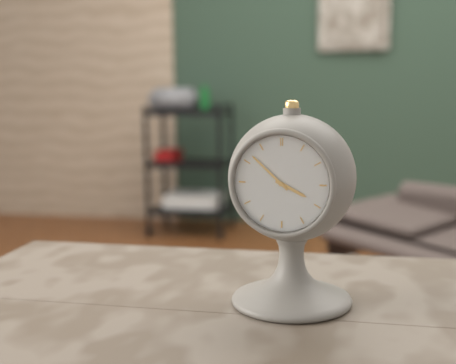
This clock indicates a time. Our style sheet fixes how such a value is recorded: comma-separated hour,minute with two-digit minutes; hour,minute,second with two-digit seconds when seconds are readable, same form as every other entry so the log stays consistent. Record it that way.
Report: 3,52
